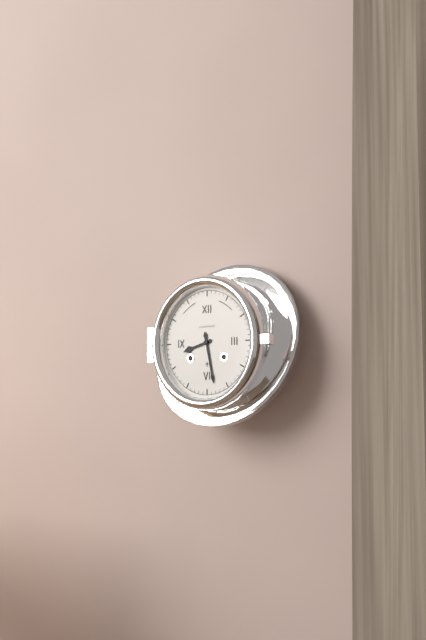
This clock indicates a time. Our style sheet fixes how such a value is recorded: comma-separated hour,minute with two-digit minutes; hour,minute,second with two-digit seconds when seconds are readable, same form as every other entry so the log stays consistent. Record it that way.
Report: 8,28
